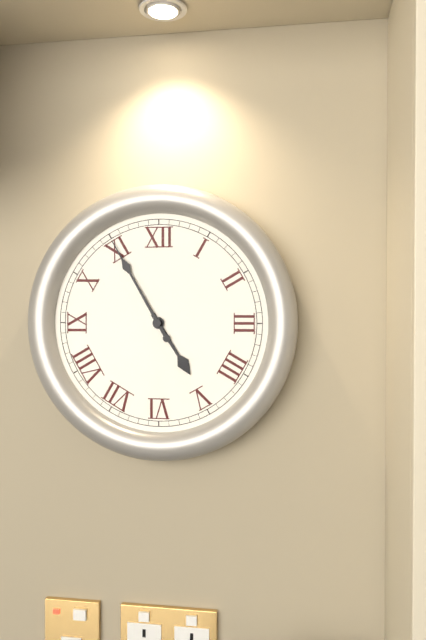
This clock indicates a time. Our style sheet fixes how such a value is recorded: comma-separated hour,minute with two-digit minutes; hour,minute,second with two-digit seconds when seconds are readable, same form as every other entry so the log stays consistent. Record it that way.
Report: 4,55
